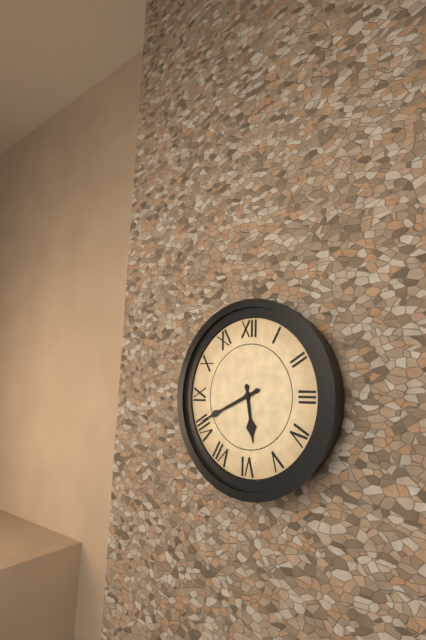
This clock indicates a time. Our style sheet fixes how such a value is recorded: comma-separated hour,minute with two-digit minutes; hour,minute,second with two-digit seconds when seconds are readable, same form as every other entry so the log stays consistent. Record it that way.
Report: 5,41
